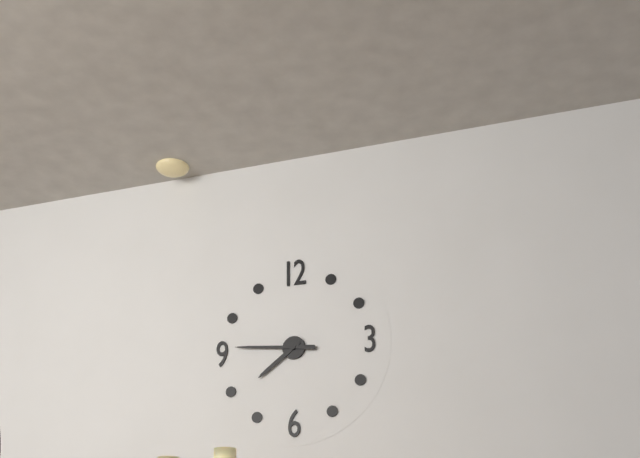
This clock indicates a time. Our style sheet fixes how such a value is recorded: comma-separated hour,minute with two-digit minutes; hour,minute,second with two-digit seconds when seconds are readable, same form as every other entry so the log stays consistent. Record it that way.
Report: 7,46
